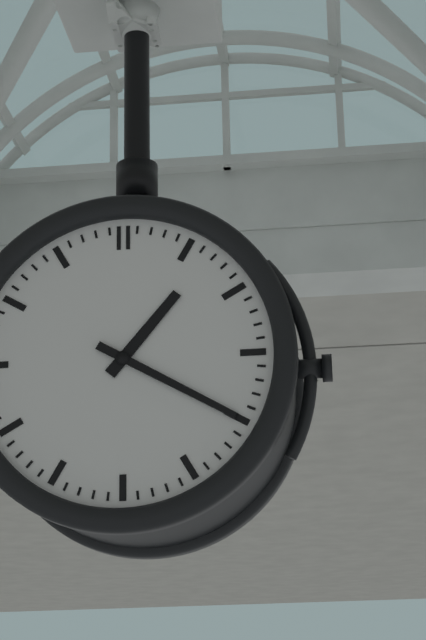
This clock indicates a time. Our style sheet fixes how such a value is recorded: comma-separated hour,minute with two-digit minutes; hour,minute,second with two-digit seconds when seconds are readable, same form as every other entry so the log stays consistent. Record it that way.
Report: 1,20
